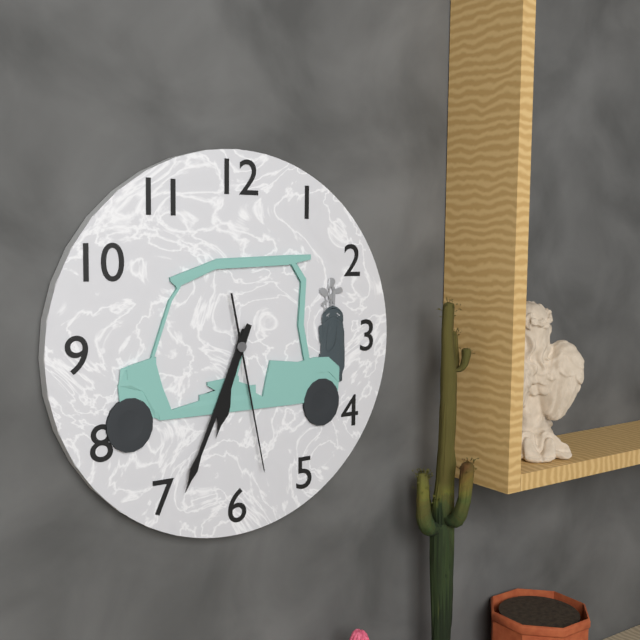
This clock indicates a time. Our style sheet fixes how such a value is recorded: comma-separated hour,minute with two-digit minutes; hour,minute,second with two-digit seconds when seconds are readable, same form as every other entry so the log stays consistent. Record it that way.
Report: 6,34,28
